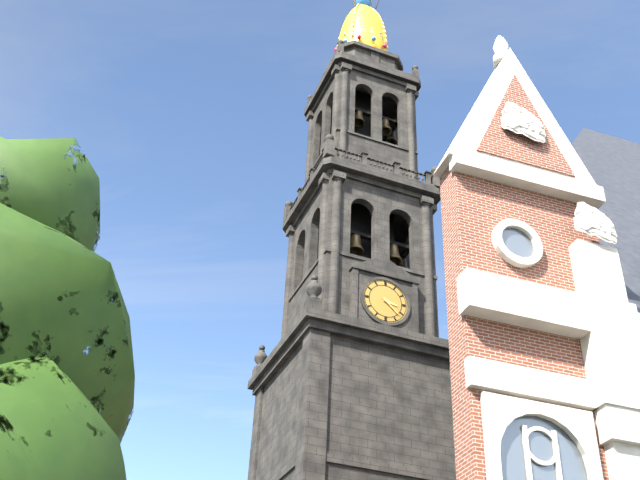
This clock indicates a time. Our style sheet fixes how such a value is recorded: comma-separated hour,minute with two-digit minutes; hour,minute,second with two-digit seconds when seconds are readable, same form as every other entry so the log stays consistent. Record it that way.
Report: 3,22
